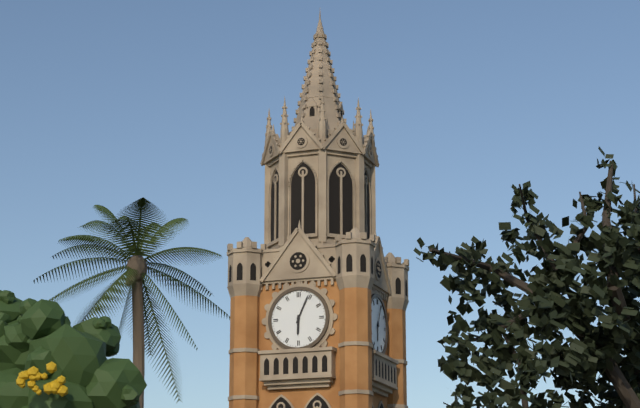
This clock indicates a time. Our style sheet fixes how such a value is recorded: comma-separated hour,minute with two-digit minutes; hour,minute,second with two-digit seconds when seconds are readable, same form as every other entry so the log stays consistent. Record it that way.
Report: 6,04
